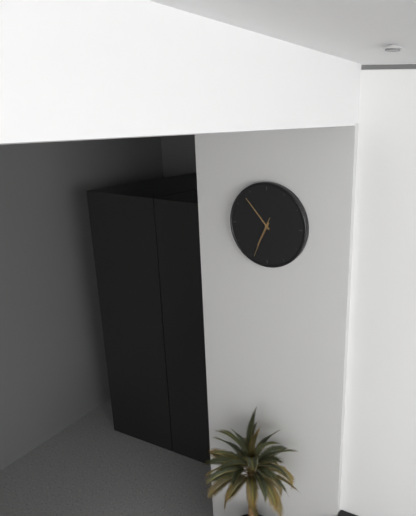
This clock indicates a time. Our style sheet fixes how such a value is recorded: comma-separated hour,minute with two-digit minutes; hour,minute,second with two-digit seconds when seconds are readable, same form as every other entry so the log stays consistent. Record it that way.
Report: 6,53
